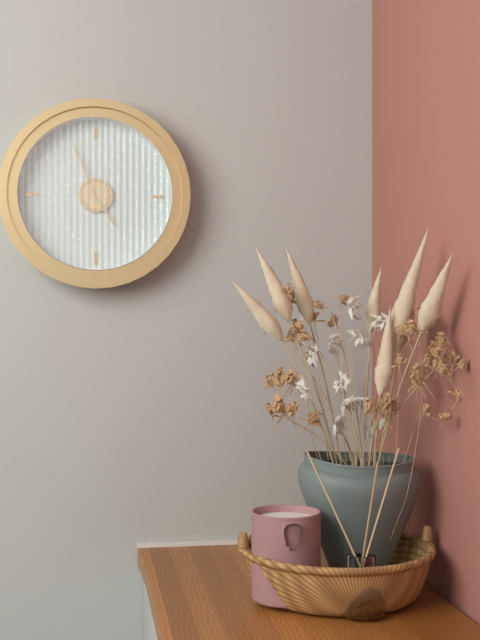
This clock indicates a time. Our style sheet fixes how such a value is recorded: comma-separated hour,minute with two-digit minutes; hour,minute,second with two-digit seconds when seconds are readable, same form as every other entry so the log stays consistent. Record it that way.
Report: 4,56
